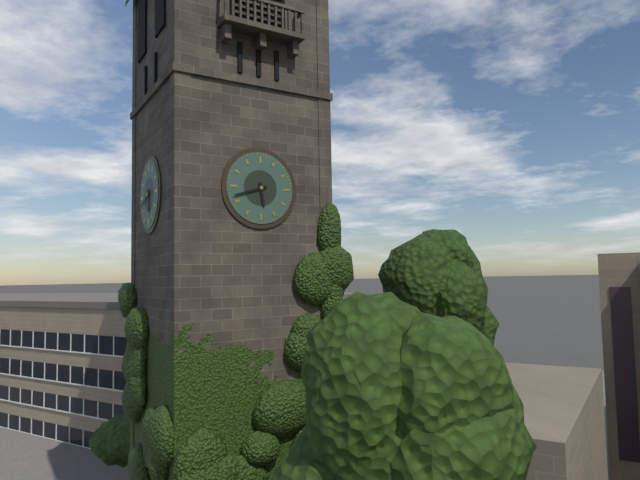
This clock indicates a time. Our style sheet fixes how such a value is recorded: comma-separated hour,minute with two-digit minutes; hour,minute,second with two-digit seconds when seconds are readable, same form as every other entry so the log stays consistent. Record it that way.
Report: 5,42
